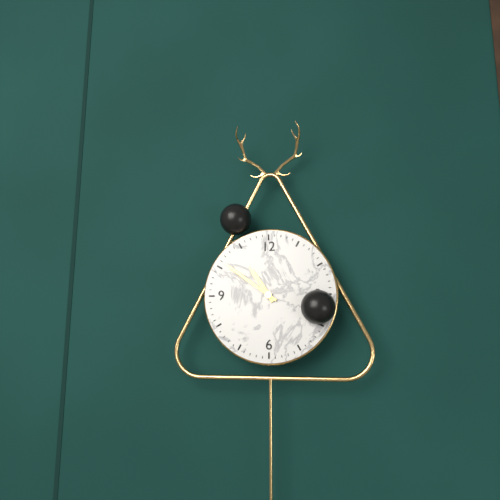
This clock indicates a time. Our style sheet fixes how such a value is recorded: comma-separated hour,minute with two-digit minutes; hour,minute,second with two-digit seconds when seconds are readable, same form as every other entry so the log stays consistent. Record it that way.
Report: 10,51
